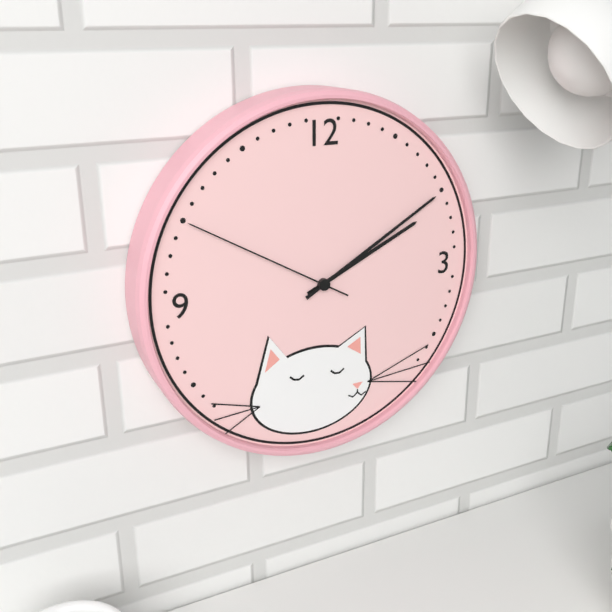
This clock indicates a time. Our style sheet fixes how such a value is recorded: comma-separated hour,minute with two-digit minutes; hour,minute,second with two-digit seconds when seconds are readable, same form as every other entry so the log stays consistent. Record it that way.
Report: 2,10,50
